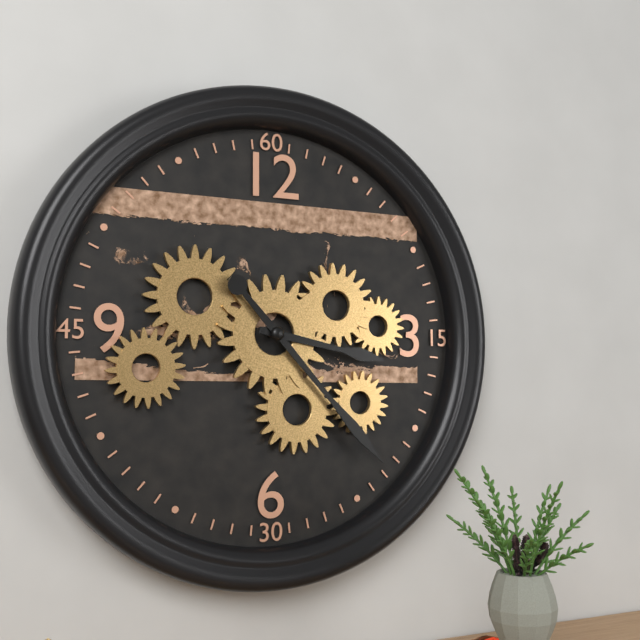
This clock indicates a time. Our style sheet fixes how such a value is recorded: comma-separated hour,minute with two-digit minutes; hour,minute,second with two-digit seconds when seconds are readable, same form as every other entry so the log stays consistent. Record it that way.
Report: 3,23
